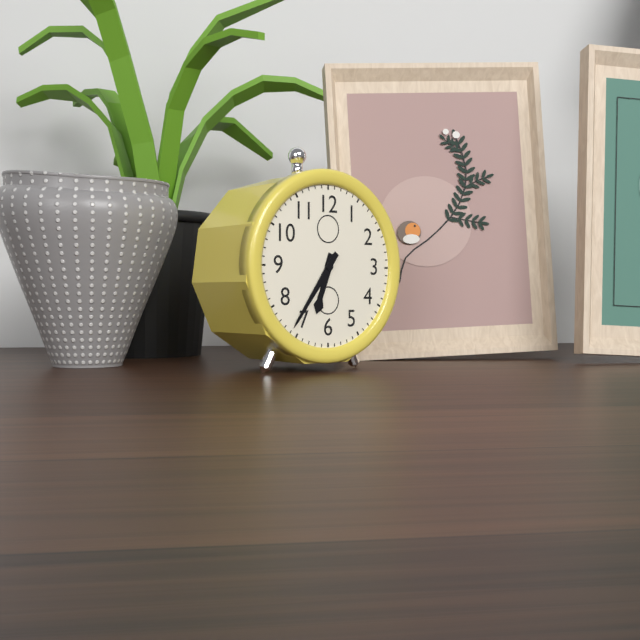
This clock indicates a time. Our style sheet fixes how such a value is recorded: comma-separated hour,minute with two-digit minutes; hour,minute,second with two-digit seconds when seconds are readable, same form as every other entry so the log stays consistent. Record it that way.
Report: 6,36
